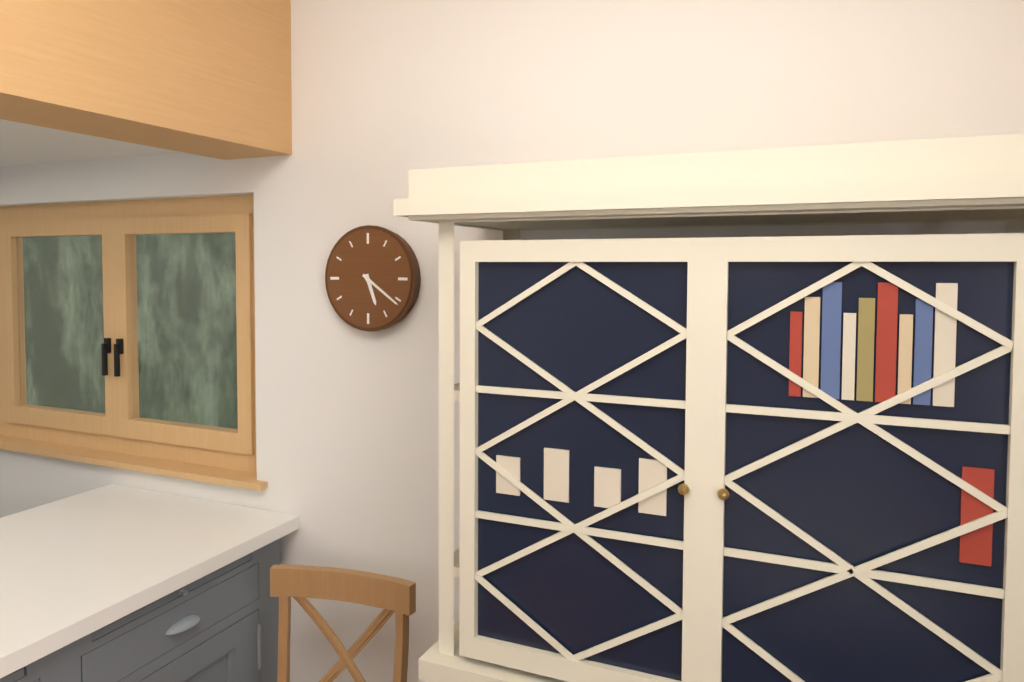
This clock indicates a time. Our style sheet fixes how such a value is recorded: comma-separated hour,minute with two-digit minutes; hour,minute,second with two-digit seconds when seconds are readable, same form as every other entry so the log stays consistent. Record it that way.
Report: 5,21
